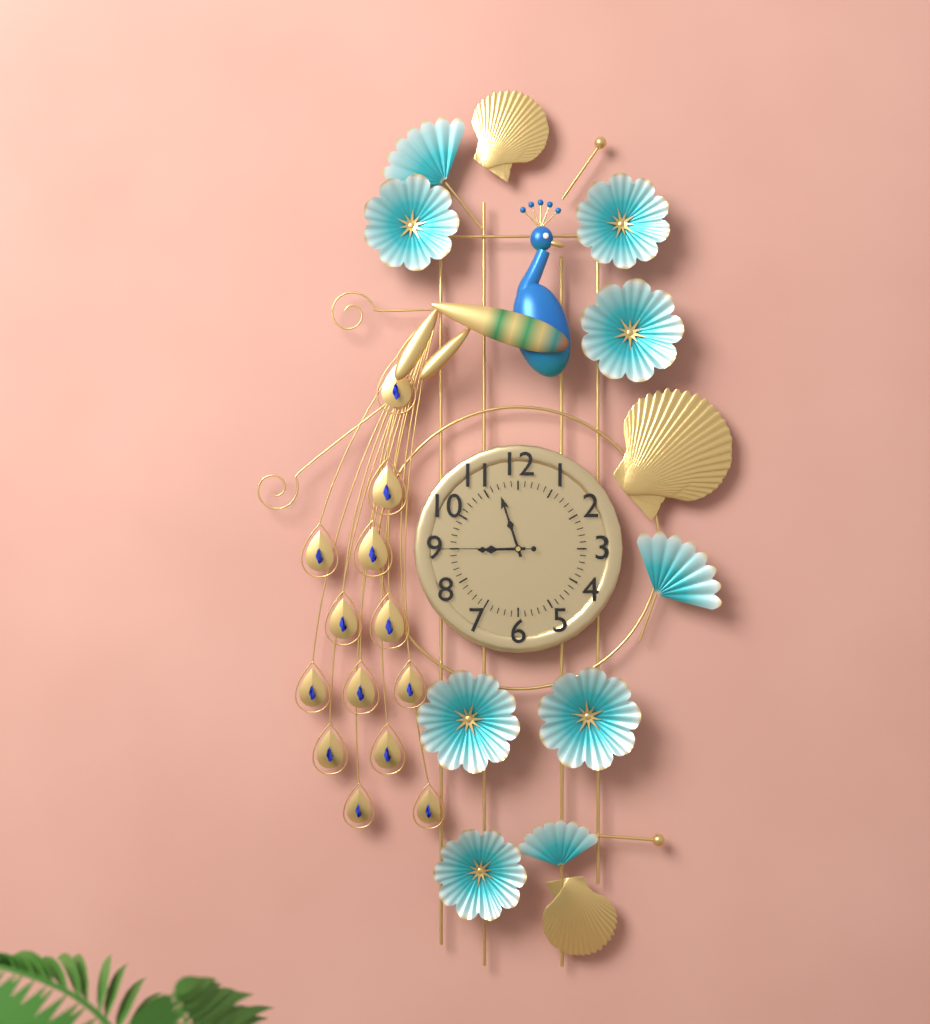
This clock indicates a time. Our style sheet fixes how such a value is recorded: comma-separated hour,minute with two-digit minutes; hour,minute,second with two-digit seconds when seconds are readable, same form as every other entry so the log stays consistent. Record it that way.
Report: 8,57,45
